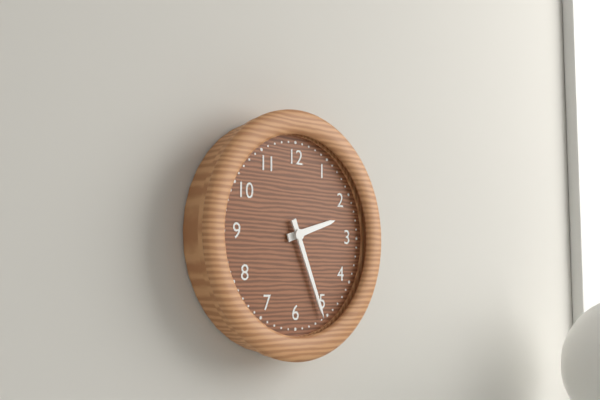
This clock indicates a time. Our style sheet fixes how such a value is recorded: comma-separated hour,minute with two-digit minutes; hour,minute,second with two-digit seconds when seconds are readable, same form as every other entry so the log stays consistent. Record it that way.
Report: 2,26
